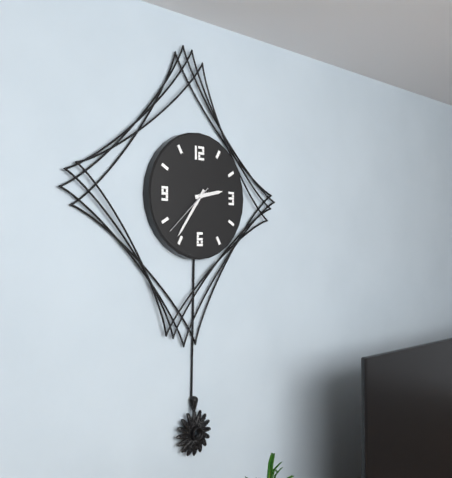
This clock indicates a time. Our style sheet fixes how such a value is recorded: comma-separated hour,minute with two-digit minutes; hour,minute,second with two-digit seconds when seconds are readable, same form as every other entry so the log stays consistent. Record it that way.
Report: 2,36,38
